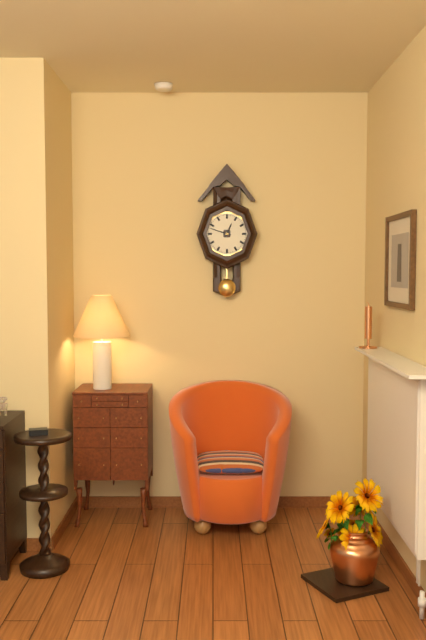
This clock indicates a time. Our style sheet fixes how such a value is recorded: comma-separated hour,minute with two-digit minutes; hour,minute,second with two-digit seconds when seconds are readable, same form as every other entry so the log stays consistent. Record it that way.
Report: 12,48
